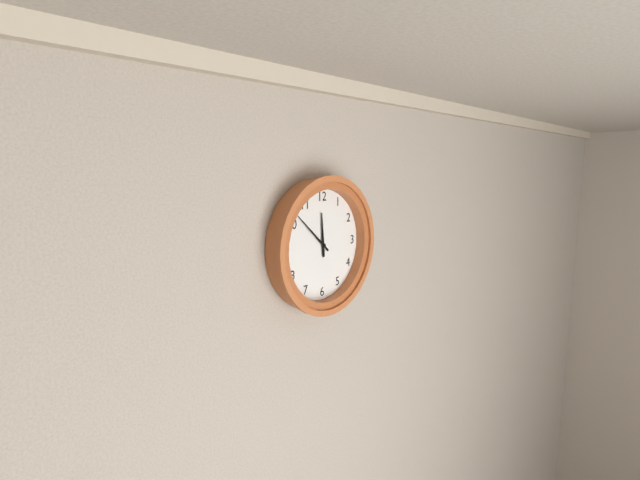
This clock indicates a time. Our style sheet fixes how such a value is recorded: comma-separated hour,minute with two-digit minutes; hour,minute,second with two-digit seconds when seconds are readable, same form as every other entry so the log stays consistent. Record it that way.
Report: 11,52
